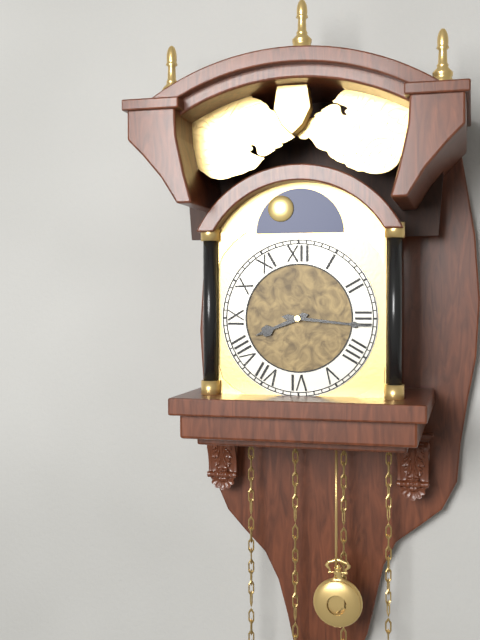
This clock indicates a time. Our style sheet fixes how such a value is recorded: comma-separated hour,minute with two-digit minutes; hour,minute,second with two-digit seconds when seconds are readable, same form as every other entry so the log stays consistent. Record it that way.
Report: 8,16
